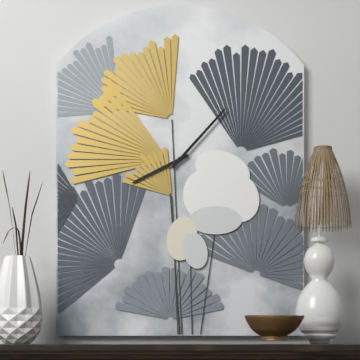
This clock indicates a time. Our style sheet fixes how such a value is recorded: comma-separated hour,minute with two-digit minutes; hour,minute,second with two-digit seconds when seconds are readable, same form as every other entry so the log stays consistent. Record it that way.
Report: 8,07
